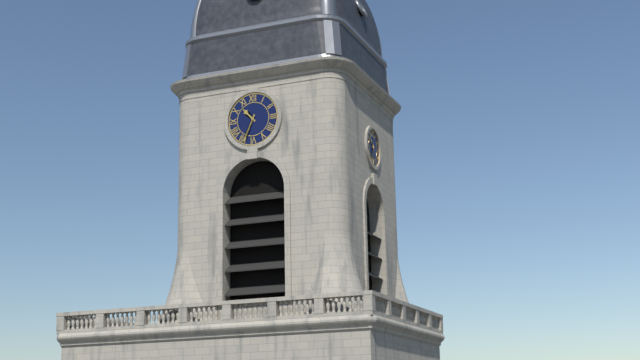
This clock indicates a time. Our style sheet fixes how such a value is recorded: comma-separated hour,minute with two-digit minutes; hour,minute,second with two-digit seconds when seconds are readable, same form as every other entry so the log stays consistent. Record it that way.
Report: 10,34
